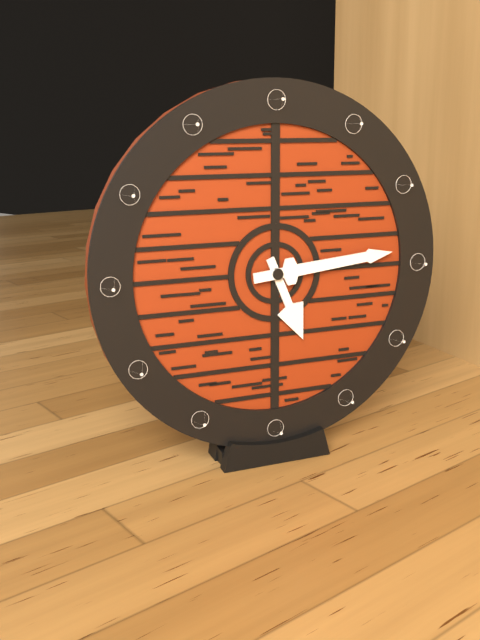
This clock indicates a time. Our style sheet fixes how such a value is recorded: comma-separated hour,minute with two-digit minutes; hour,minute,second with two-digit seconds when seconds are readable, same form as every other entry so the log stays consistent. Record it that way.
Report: 5,14
